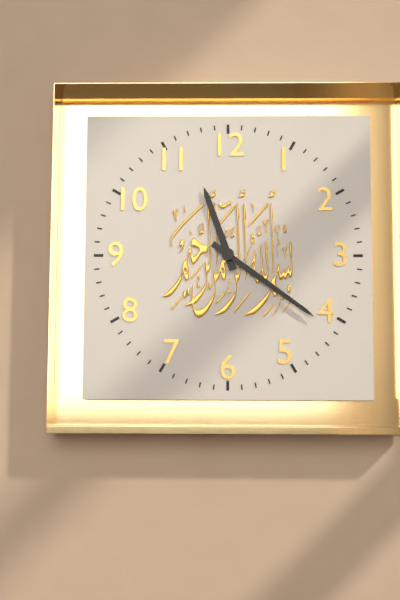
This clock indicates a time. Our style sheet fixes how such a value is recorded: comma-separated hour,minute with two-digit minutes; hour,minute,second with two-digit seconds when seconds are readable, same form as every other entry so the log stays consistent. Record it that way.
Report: 11,21
